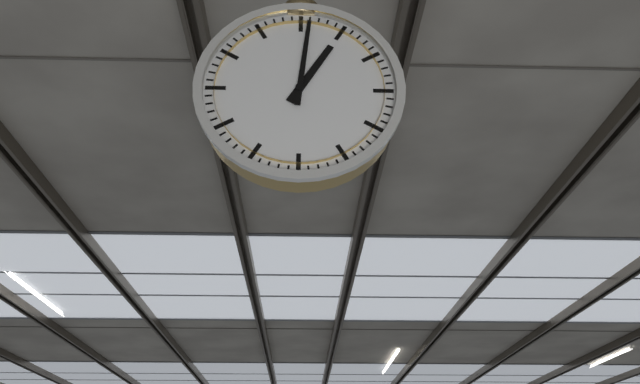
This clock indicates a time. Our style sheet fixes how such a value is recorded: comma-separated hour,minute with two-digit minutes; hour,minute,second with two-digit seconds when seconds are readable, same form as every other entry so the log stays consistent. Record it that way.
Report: 1,01
